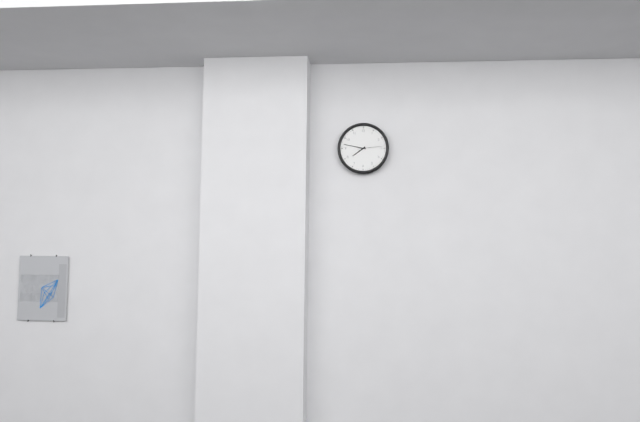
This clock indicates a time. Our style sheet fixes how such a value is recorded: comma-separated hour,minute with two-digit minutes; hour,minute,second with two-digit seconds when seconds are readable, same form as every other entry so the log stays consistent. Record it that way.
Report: 7,47
